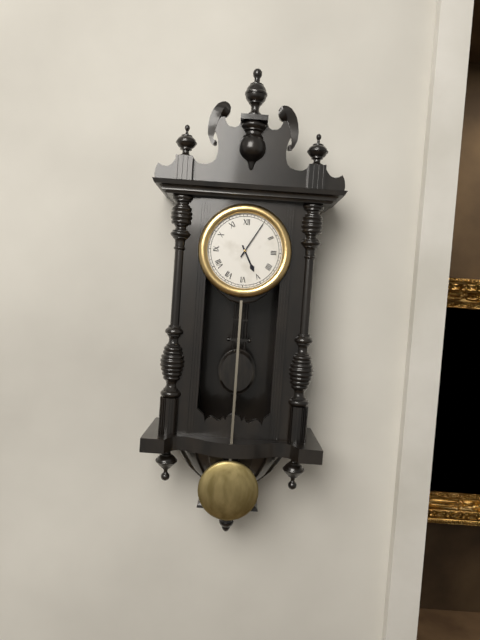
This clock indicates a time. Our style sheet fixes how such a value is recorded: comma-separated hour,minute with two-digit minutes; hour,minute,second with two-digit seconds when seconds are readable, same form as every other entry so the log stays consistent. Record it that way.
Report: 5,05
